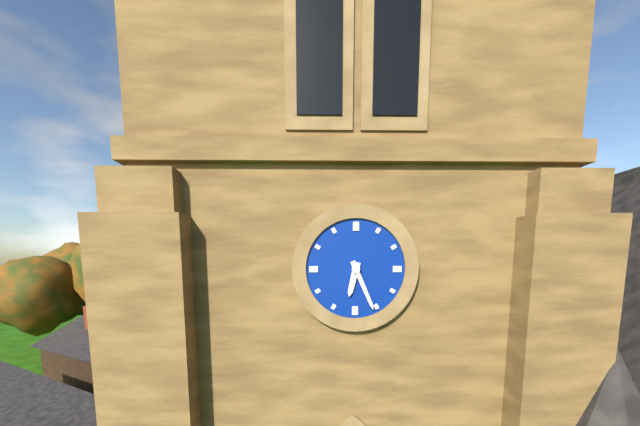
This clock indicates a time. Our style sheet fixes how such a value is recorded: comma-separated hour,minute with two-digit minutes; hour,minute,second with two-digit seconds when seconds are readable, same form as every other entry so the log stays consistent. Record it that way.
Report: 6,26
